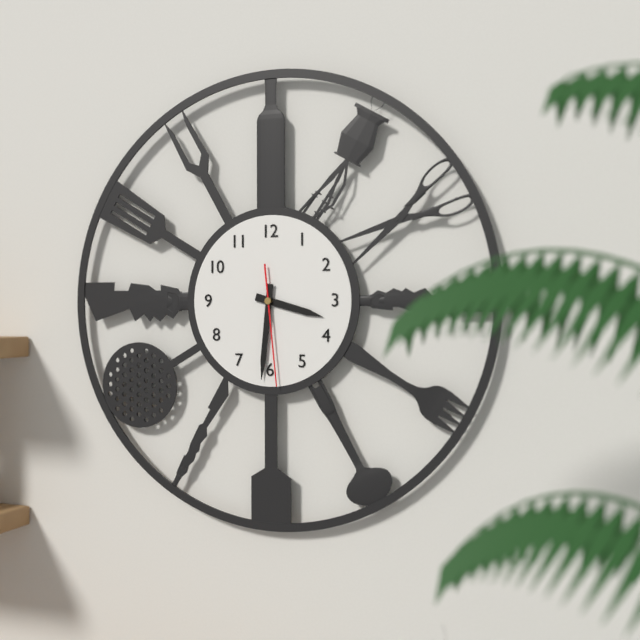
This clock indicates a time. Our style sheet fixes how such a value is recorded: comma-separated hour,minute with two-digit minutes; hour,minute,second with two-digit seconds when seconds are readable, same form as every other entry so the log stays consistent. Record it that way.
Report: 3,31,29
